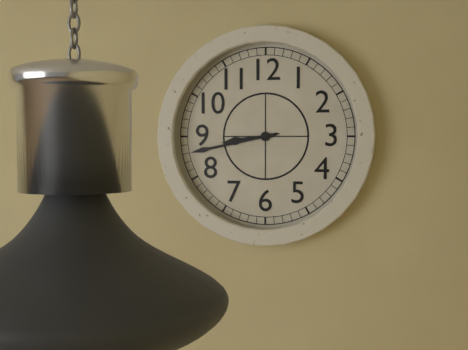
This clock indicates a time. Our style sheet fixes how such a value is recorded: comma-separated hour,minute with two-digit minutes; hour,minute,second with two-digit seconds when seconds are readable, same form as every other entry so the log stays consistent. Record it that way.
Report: 8,43
